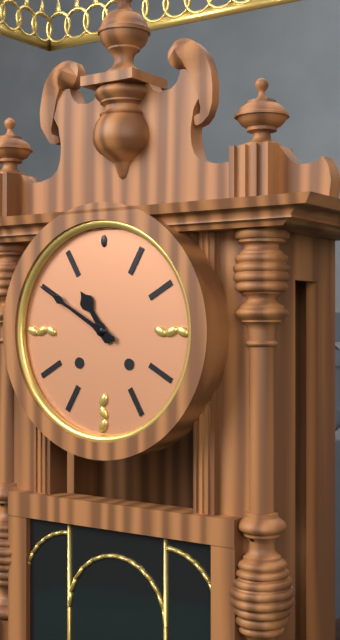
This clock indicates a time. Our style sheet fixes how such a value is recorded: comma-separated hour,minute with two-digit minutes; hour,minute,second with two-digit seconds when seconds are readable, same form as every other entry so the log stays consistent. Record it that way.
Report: 10,50
